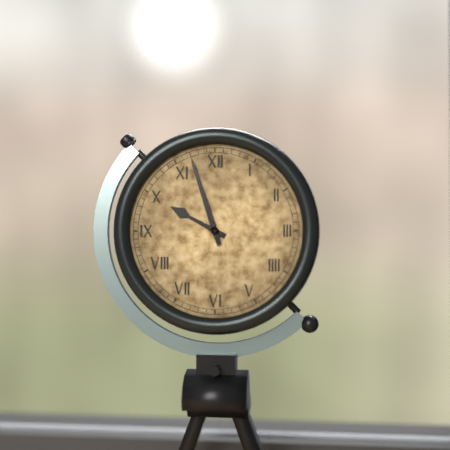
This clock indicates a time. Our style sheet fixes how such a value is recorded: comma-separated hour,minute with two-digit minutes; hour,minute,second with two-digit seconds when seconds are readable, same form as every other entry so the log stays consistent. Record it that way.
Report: 9,57
